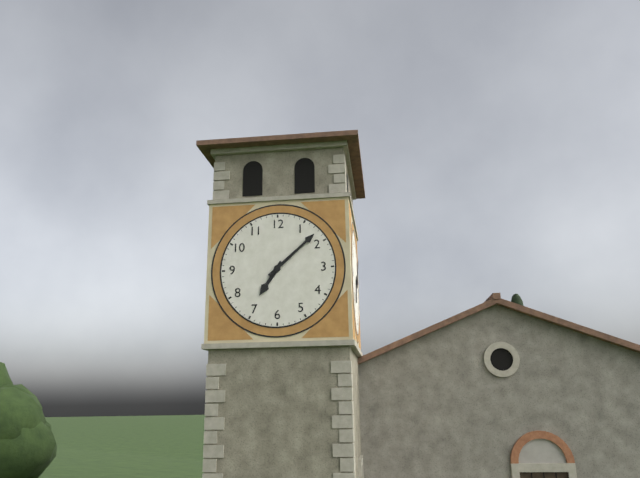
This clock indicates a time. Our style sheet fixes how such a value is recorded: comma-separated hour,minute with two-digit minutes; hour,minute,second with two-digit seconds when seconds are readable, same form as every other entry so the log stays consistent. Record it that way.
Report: 7,08
